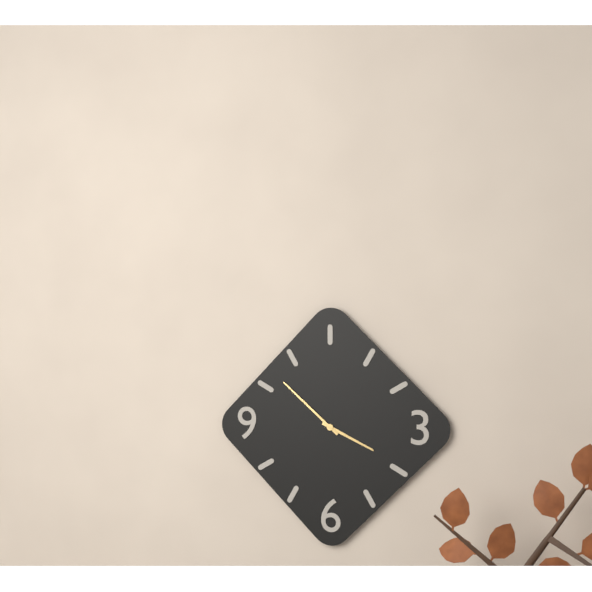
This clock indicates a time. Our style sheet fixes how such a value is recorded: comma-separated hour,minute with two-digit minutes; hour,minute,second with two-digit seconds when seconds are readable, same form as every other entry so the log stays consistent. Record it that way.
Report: 3,52
